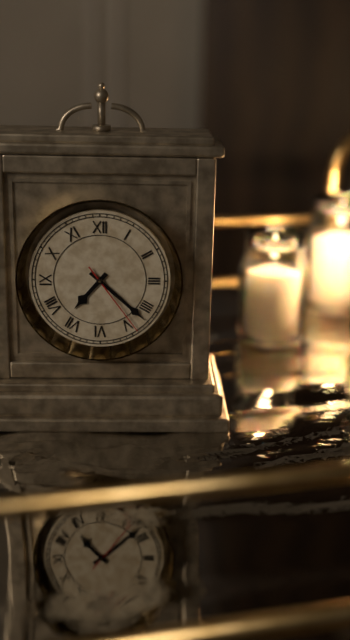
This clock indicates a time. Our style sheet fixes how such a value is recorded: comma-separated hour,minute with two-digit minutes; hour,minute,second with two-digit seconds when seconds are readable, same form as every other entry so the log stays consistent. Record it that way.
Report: 7,22,24
